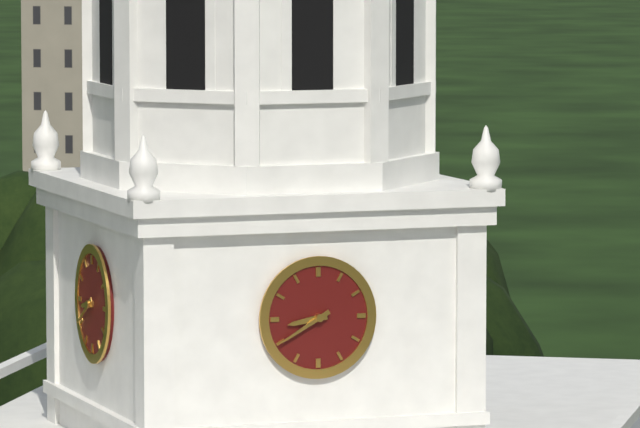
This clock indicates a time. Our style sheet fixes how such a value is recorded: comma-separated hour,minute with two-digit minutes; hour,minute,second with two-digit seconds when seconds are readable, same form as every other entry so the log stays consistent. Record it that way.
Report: 8,40
